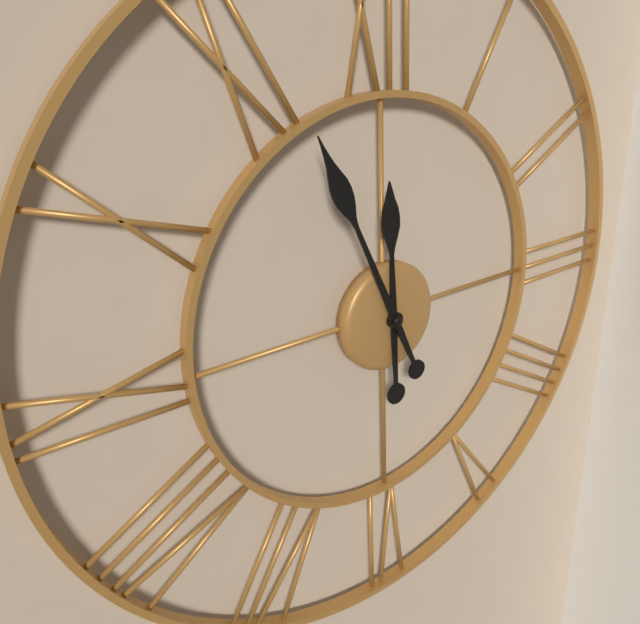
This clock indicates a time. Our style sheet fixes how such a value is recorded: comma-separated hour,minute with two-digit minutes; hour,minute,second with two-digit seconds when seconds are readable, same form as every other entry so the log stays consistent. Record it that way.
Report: 11,56
